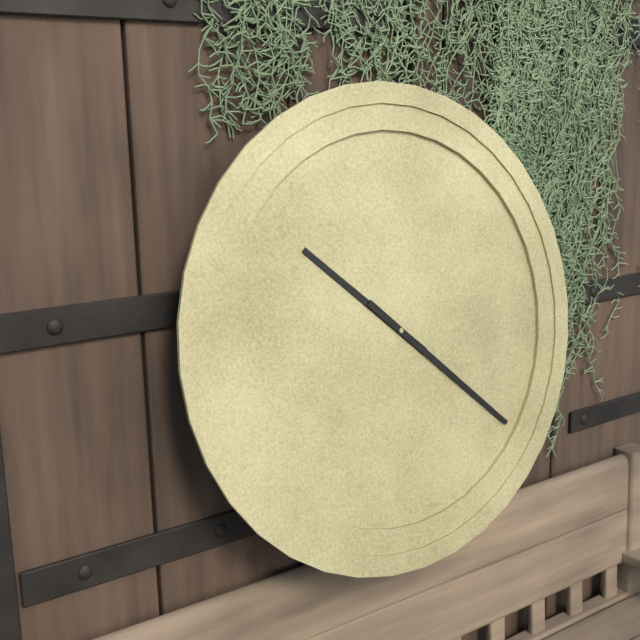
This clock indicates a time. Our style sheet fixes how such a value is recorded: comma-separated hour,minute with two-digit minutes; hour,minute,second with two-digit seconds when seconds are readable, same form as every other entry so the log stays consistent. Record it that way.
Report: 10,22
